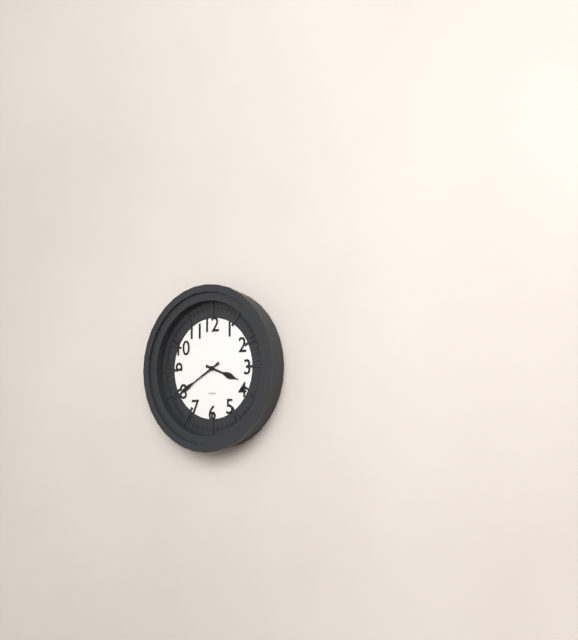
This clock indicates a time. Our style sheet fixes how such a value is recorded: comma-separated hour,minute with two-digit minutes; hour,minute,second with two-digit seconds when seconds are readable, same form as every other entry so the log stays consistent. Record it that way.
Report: 3,40
